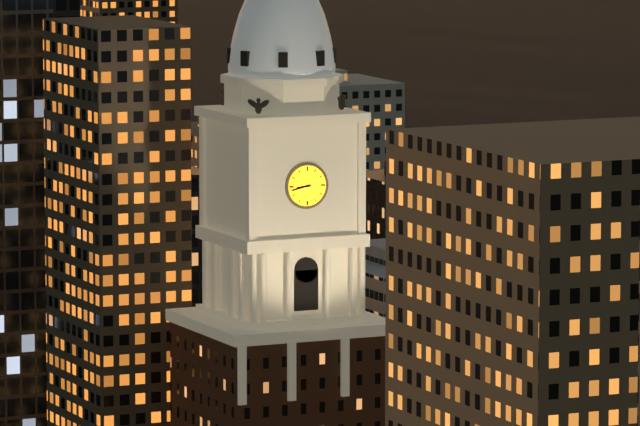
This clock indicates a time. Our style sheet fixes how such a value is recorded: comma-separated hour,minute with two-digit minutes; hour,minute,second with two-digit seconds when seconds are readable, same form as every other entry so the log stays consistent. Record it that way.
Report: 8,43
